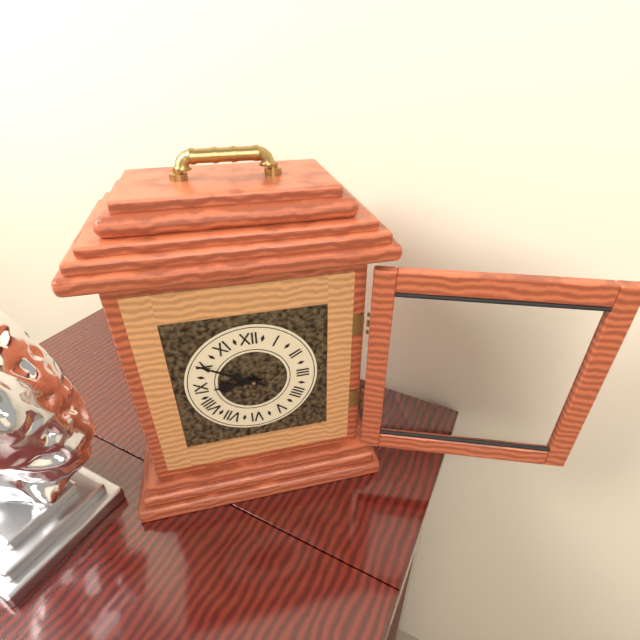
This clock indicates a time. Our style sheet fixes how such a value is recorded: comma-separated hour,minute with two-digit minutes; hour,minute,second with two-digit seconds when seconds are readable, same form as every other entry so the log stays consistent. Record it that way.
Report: 8,50
